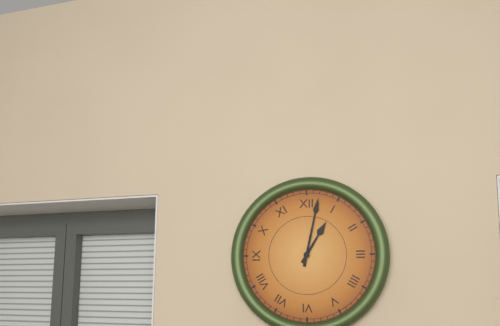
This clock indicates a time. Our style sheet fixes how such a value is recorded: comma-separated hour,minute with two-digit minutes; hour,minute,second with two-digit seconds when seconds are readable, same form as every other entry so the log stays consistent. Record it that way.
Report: 1,02
